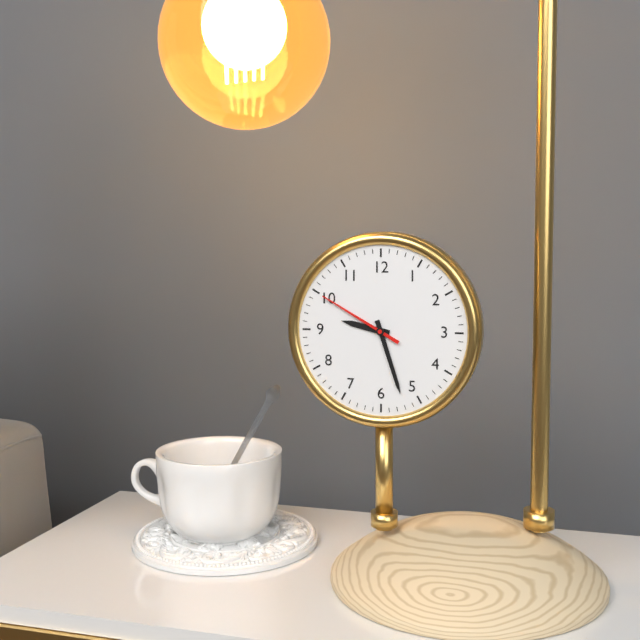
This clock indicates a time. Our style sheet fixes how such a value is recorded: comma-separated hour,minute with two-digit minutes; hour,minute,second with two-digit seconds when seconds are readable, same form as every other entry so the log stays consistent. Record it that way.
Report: 9,27,50
